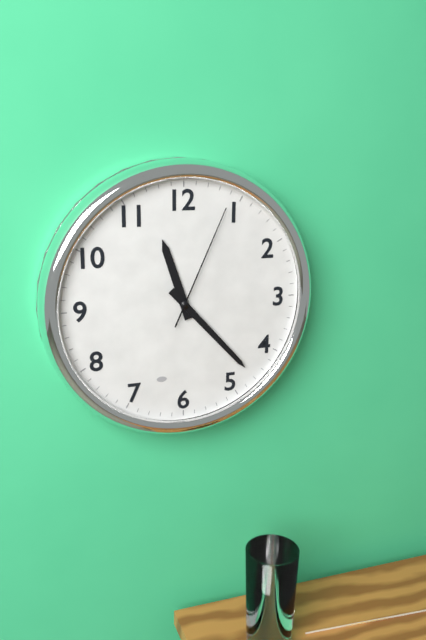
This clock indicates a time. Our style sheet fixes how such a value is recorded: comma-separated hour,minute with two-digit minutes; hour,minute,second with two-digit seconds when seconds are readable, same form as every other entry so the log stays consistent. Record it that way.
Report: 11,23,04
